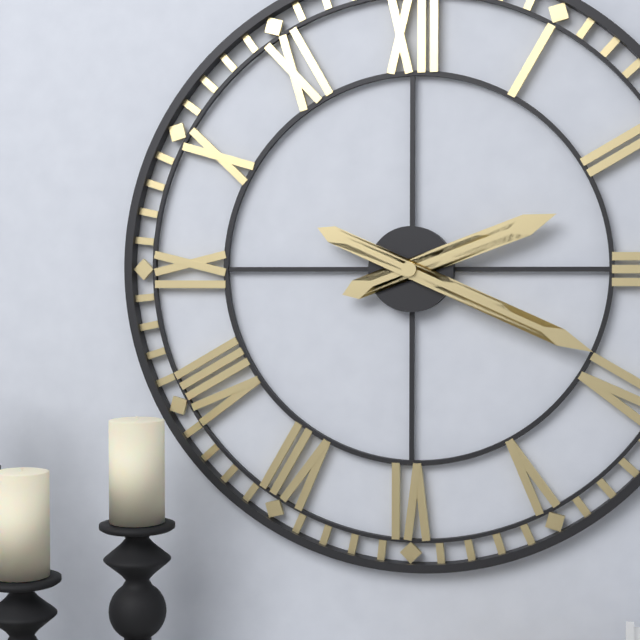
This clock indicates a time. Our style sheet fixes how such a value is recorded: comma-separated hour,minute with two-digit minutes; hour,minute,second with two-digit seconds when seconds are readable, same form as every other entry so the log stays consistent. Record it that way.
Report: 2,19
